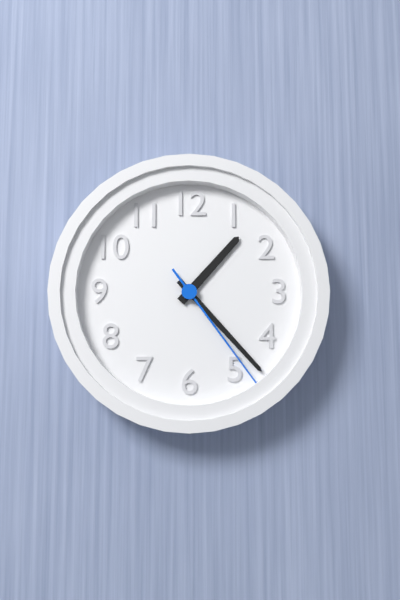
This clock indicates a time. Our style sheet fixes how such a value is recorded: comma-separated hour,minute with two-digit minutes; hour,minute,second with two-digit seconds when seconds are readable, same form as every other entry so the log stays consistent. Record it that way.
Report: 1,23,24
